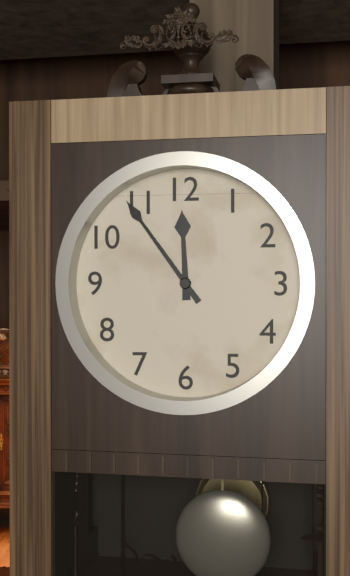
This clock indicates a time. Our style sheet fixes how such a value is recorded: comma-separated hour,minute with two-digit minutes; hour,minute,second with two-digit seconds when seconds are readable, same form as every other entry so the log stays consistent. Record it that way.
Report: 11,54
